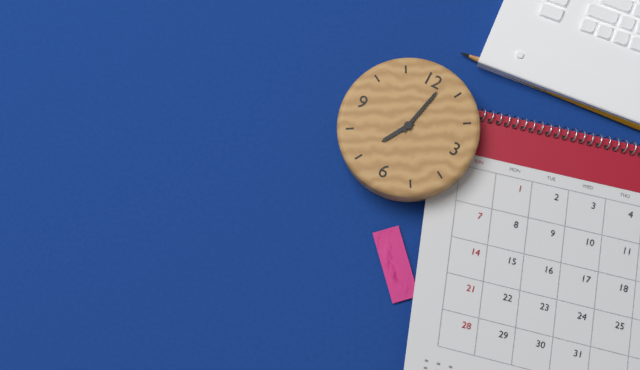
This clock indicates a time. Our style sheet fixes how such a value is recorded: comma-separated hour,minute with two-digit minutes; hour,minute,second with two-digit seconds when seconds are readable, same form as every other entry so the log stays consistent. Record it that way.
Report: 7,02
